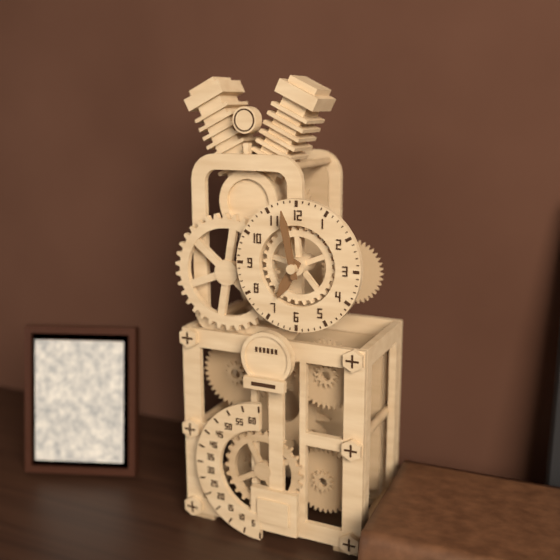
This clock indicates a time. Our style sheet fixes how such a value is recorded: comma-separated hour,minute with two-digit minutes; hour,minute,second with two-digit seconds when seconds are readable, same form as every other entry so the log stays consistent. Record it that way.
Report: 6,58
